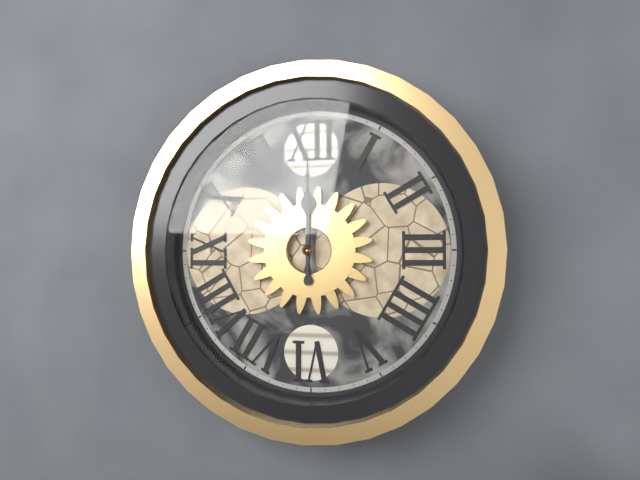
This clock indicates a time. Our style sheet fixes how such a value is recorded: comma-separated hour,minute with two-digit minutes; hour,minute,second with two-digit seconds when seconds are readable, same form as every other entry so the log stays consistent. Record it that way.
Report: 12,00
